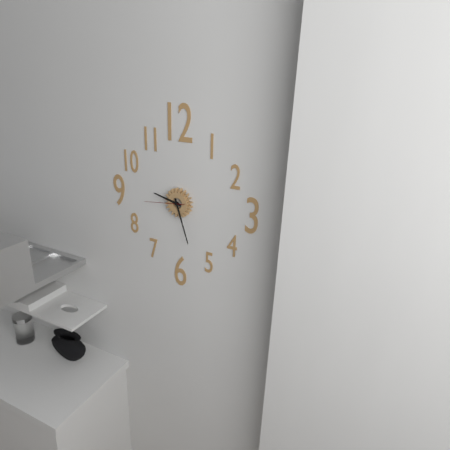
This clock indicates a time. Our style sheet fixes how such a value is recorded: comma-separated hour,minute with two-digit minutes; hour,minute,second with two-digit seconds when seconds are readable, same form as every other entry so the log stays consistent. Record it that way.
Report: 9,27
